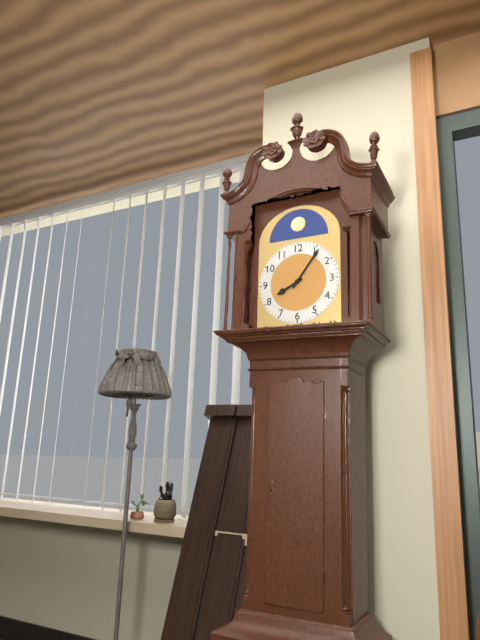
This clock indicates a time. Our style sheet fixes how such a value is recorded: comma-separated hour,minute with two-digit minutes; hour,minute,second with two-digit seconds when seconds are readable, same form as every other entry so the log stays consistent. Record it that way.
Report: 8,06
